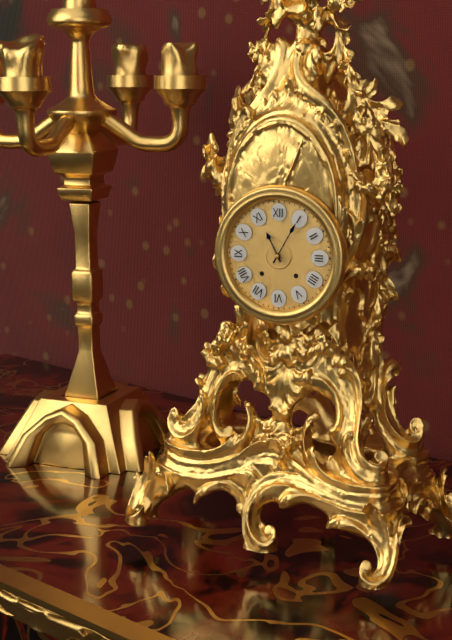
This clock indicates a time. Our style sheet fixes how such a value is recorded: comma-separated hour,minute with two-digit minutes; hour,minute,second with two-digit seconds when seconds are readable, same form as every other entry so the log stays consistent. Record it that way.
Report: 11,05
